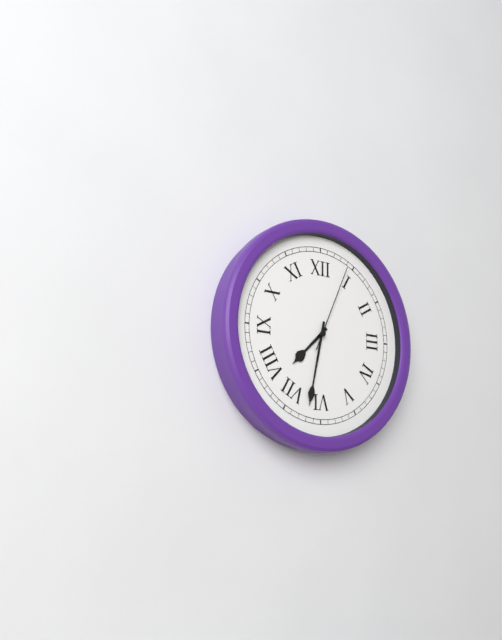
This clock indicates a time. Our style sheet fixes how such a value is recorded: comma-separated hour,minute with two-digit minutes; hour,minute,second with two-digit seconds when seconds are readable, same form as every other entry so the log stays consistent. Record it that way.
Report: 7,32,04
